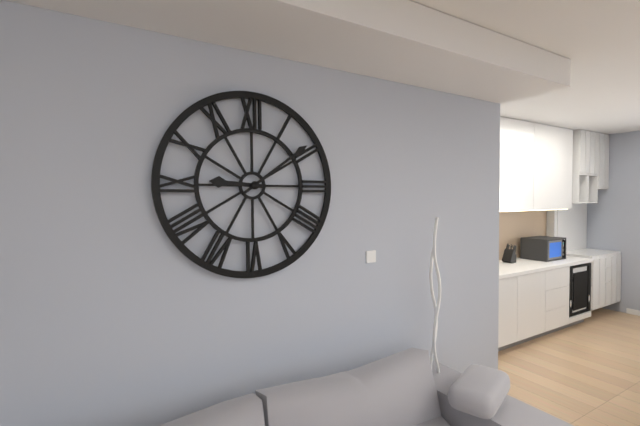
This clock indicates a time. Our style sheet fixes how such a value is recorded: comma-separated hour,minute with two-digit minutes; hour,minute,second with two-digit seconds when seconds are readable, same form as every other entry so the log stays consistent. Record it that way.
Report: 9,09
